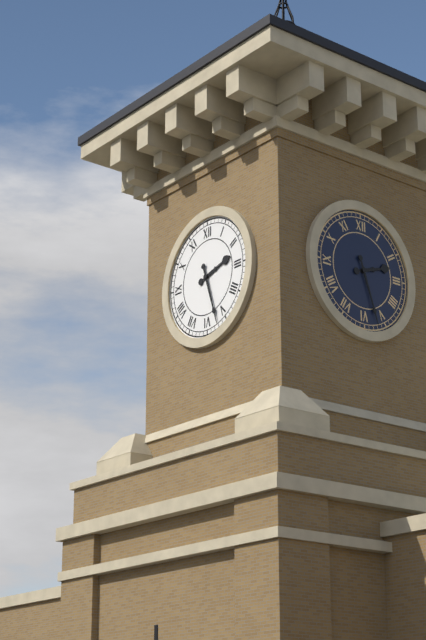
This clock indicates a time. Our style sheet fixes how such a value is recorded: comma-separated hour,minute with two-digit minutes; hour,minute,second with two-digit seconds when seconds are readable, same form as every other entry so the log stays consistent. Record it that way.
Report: 2,27
